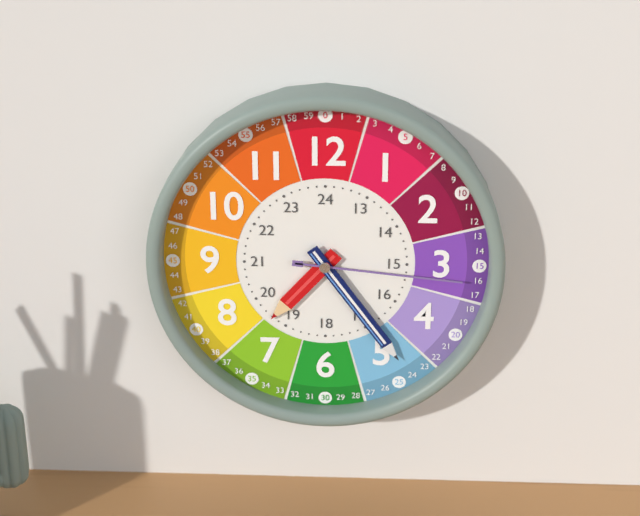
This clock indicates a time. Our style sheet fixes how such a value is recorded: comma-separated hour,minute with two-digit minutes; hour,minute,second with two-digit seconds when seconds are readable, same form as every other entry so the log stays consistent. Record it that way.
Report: 7,24,16
